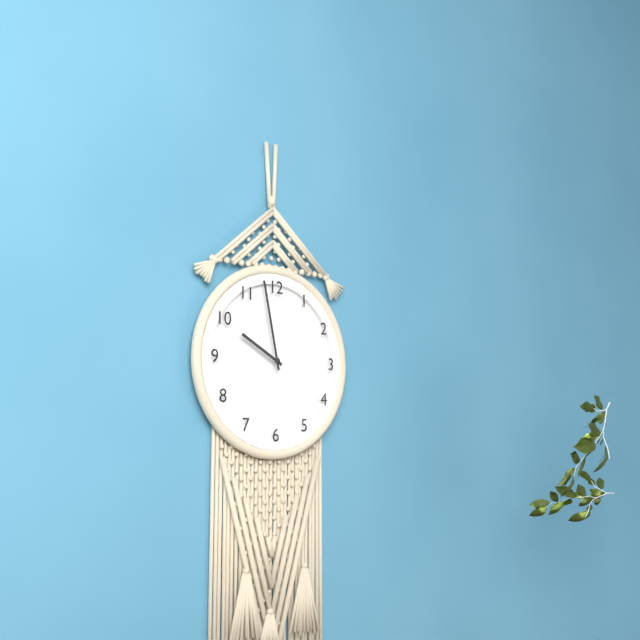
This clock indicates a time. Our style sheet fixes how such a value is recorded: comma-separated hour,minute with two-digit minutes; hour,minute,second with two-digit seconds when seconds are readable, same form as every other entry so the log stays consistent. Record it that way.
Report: 9,58
